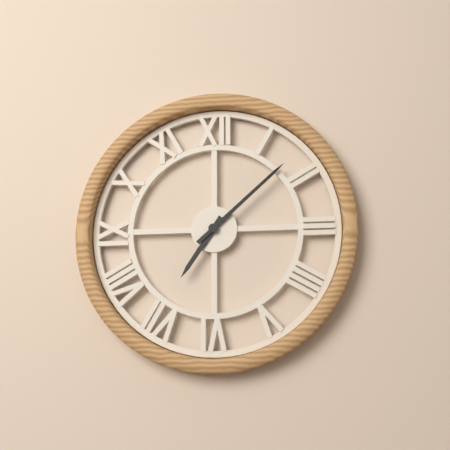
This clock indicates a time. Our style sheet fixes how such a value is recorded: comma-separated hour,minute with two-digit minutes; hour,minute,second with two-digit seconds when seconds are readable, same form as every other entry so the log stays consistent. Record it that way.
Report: 7,08
